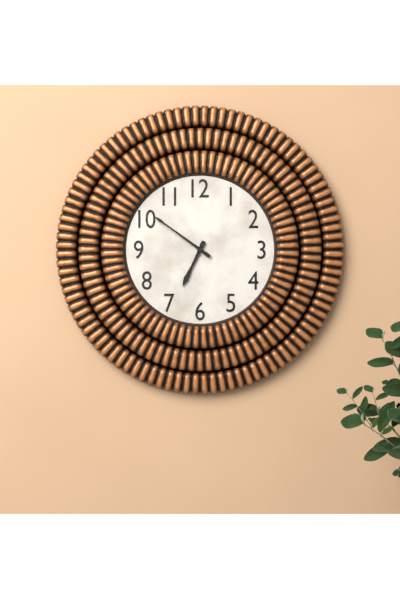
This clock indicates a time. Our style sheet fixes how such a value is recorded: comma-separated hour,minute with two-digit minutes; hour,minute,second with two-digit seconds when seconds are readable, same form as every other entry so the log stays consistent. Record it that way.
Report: 6,51
